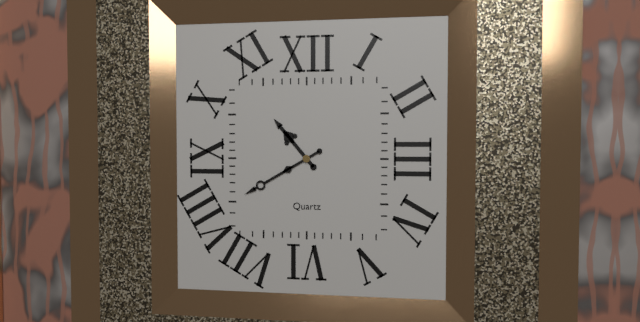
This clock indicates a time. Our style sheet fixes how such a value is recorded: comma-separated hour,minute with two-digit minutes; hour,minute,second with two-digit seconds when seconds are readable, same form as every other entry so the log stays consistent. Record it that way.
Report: 10,40
